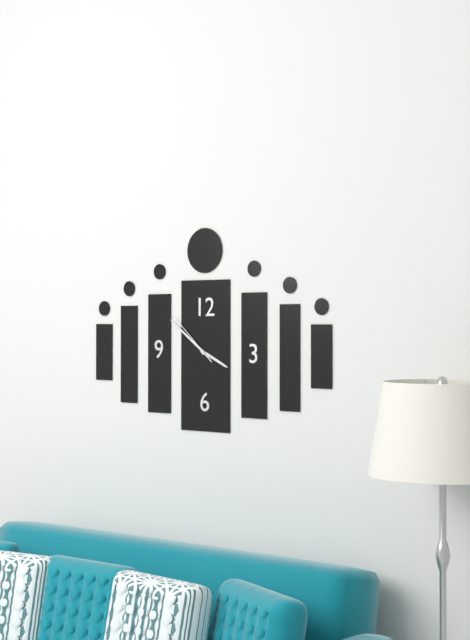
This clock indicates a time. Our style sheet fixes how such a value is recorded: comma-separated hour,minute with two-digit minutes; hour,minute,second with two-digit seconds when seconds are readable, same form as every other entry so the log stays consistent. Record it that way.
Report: 3,51,52
